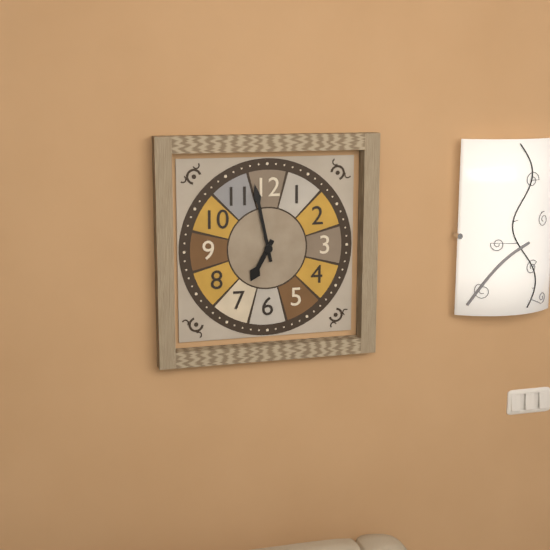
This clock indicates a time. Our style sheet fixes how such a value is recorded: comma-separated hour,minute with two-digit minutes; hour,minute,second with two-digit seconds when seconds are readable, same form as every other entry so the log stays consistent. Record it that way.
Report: 6,58
